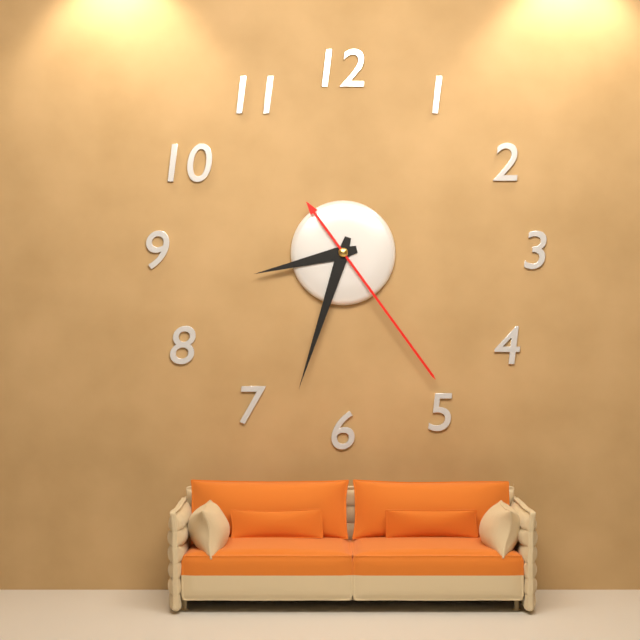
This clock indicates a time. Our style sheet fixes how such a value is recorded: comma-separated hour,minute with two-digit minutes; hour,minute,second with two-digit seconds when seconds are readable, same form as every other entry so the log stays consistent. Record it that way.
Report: 8,33,24
